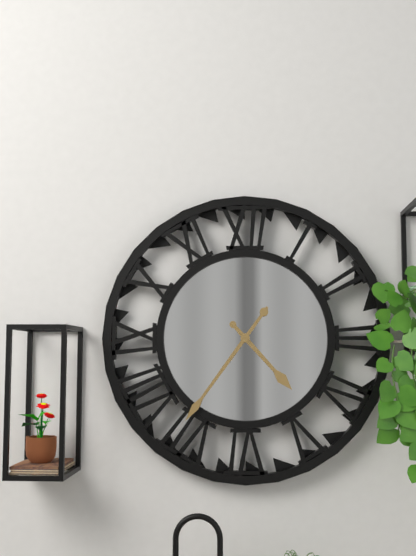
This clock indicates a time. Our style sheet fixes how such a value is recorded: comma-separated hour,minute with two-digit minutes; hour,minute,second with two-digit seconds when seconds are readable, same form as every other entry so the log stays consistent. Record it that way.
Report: 4,36
